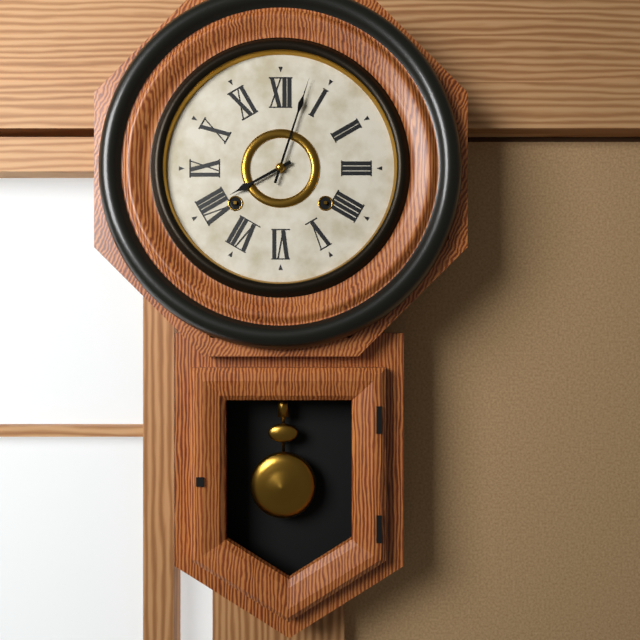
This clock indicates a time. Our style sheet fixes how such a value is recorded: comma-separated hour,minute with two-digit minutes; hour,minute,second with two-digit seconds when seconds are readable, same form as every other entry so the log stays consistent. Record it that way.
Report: 8,03
